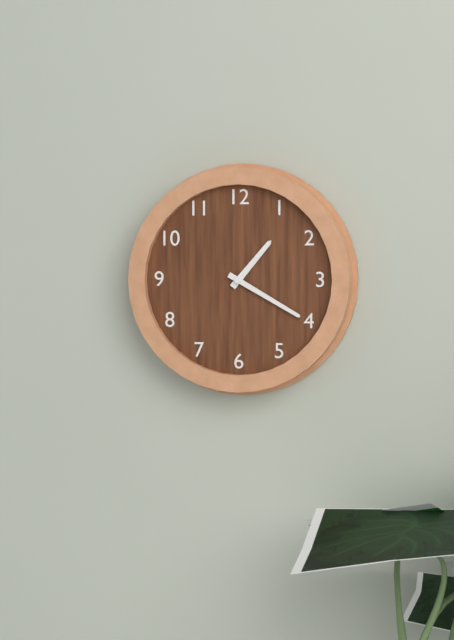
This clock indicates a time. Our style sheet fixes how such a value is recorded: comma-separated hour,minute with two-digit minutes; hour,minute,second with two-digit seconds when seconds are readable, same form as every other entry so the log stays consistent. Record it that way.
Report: 1,20
